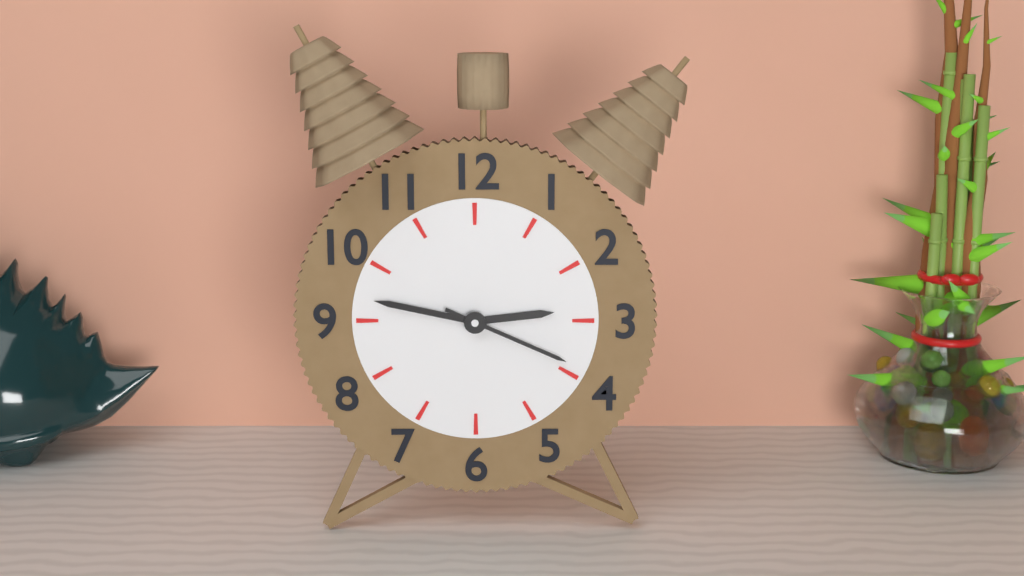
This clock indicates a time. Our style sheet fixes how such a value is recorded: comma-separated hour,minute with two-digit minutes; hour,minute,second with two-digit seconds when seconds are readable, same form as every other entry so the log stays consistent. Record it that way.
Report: 2,47,19
